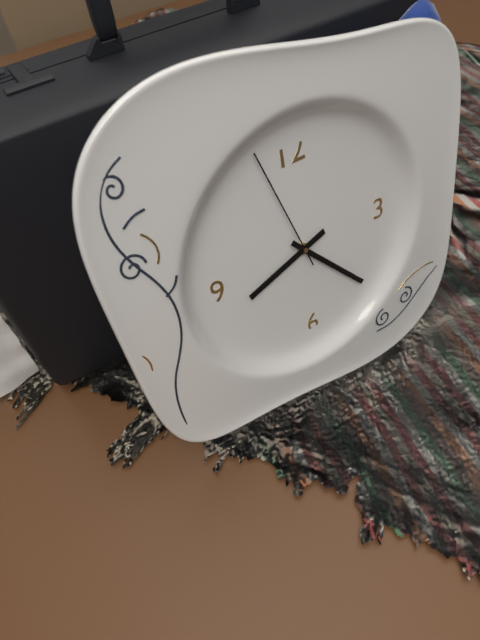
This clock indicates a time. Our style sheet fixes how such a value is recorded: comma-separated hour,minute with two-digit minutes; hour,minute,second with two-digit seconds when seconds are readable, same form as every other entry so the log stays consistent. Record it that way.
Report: 8,23,57
